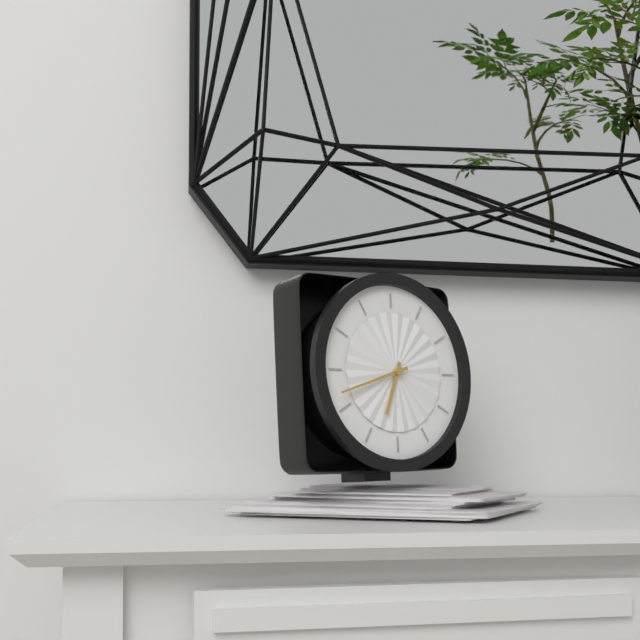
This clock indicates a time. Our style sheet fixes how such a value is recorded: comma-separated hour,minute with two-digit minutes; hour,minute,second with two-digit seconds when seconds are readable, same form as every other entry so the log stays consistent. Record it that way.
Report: 6,42
